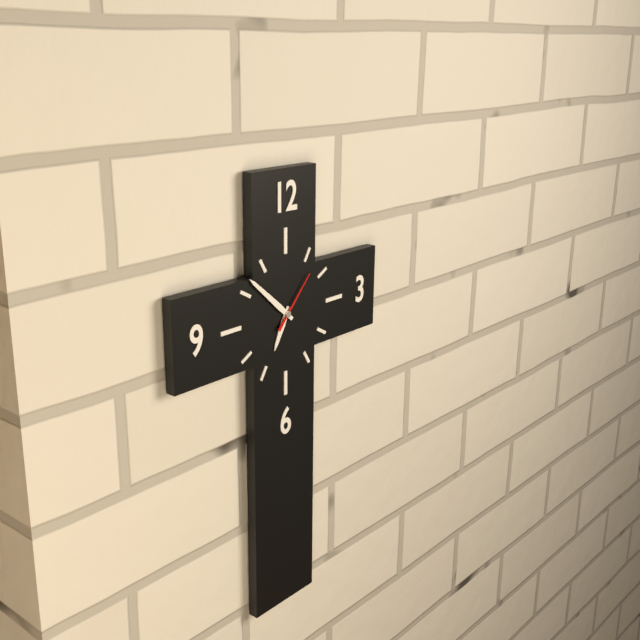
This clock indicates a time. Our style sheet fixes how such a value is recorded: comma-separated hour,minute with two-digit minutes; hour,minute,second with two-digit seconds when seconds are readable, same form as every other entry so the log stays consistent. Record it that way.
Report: 6,52,07
